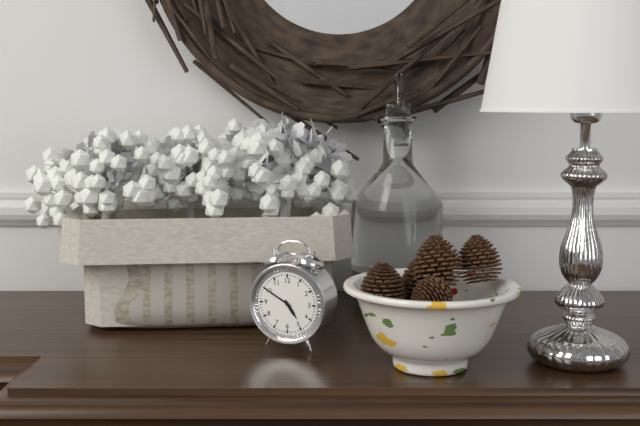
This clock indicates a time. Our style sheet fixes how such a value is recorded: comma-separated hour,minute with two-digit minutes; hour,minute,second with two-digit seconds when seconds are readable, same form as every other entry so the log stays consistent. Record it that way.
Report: 4,50
